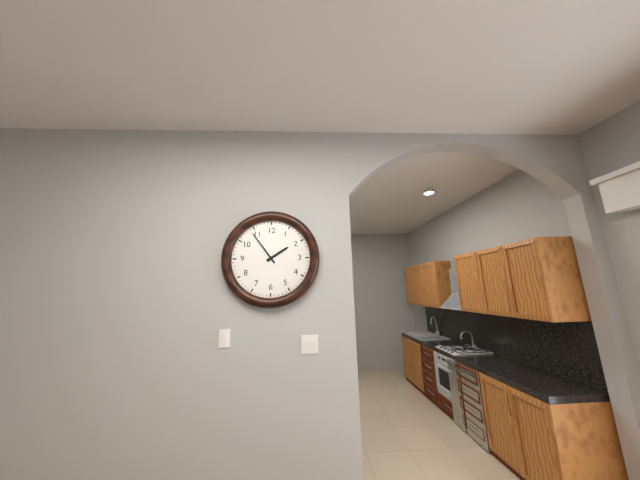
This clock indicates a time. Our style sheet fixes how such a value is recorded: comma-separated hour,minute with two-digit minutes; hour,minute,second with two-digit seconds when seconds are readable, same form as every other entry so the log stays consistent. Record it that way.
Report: 1,54
